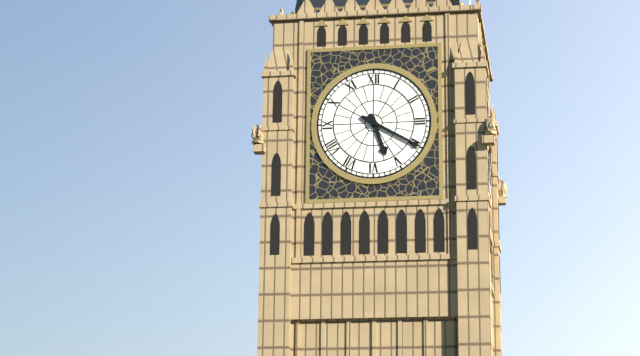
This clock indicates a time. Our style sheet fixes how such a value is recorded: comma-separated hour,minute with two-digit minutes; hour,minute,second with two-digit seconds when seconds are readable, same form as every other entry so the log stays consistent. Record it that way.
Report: 5,20
